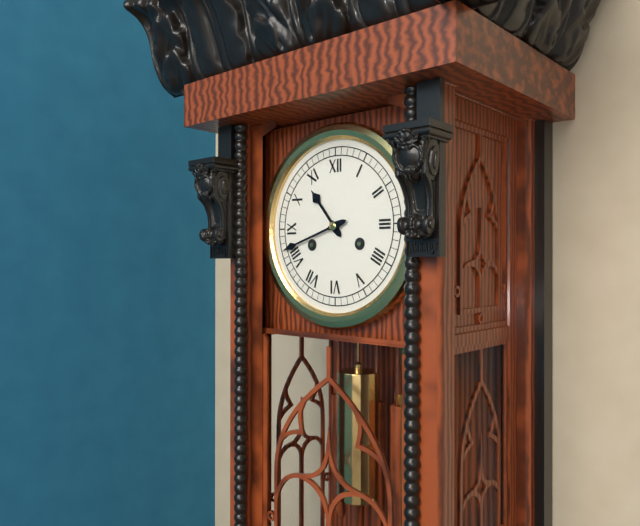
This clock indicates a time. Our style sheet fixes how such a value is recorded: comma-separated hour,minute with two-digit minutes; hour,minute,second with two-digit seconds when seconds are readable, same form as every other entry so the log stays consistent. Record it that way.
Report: 10,42
